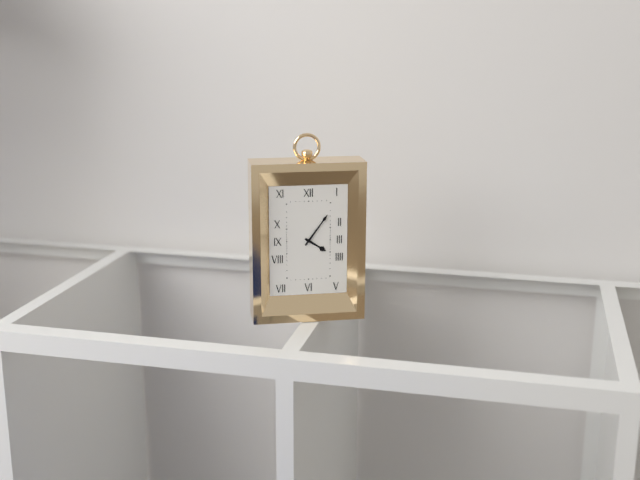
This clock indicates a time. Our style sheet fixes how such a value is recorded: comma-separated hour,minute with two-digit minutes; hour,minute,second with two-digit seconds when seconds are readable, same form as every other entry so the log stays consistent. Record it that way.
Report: 4,06
